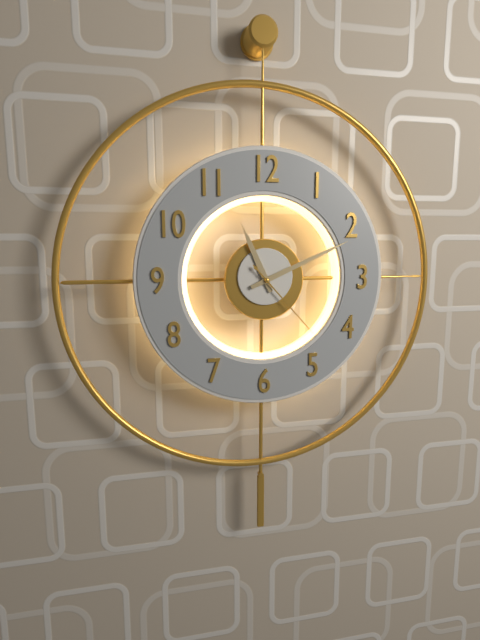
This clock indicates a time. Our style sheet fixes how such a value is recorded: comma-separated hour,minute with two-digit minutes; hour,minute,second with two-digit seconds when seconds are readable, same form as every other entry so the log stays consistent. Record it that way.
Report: 11,11,23
